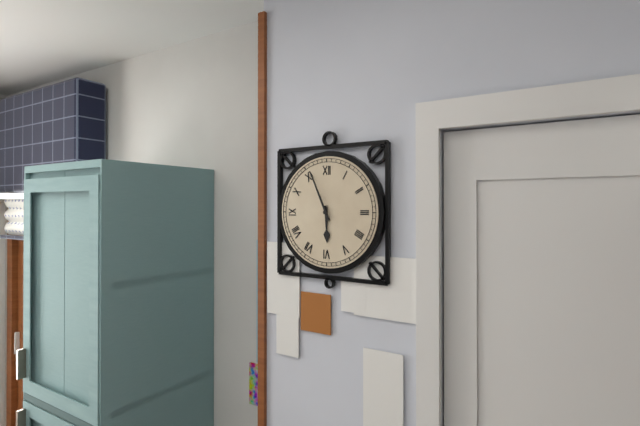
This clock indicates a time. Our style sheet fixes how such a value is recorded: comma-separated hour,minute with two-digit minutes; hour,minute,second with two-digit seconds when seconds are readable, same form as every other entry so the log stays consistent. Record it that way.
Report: 5,56
